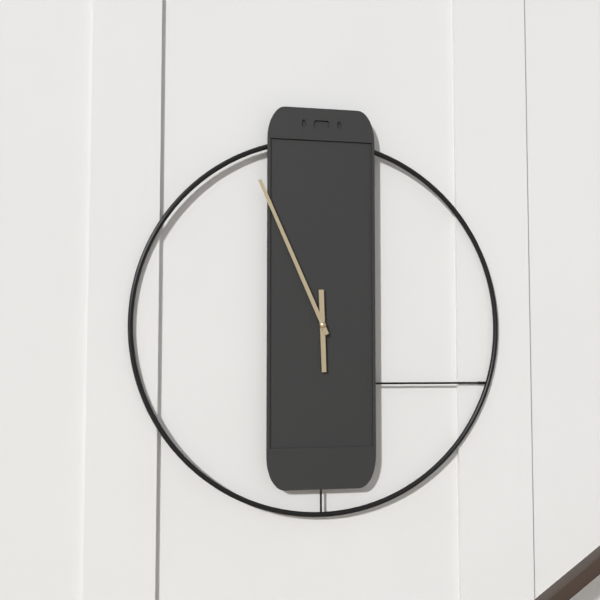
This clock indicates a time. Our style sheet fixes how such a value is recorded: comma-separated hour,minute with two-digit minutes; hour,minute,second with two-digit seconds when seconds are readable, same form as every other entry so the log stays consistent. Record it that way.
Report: 5,56
